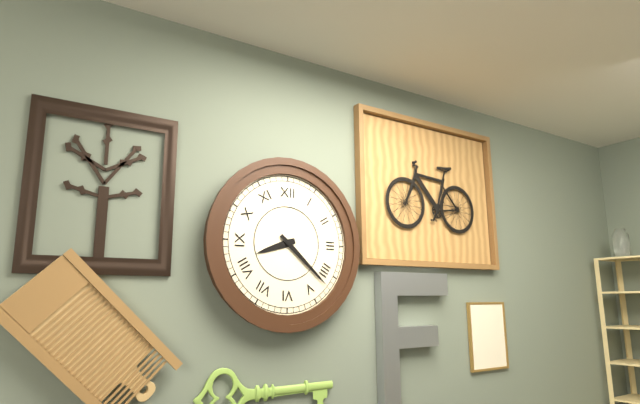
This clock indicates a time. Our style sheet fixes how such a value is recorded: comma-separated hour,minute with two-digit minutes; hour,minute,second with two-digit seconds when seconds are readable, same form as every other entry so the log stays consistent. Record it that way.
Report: 8,22
